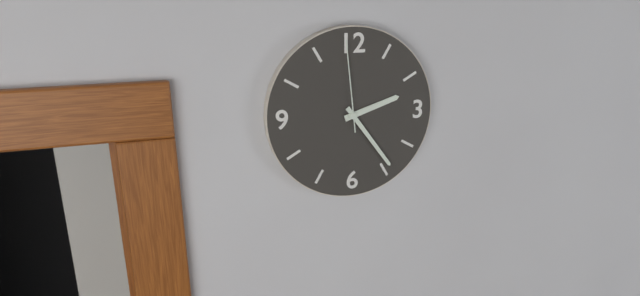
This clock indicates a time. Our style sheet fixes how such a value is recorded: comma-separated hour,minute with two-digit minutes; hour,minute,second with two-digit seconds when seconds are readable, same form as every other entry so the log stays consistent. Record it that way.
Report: 2,24,59
